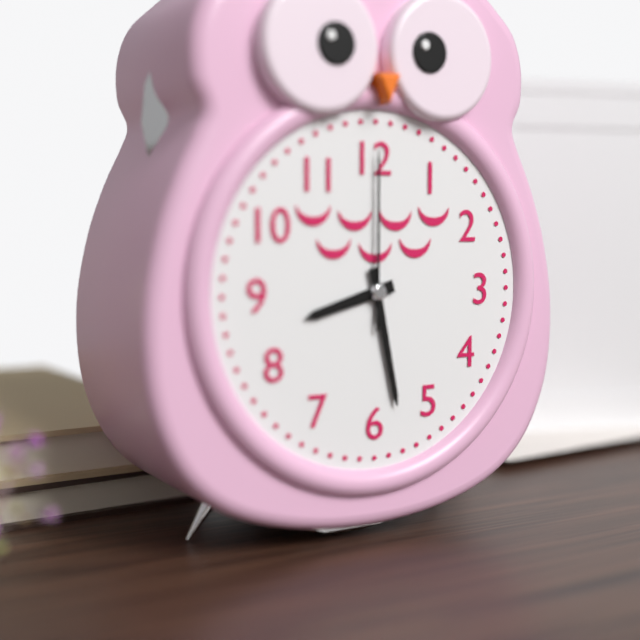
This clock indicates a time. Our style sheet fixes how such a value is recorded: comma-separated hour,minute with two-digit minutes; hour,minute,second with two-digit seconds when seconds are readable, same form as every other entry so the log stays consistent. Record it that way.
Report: 8,28,00
